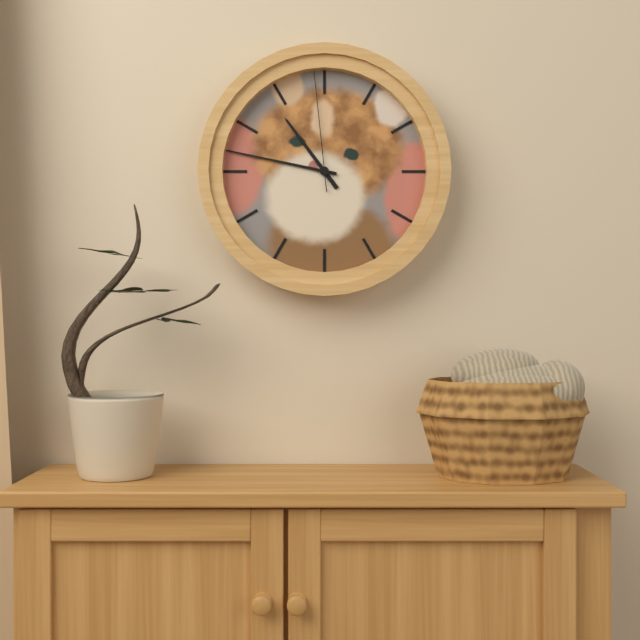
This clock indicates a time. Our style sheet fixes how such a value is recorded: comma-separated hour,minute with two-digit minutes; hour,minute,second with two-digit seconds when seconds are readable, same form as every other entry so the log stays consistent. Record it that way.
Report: 10,47,59
